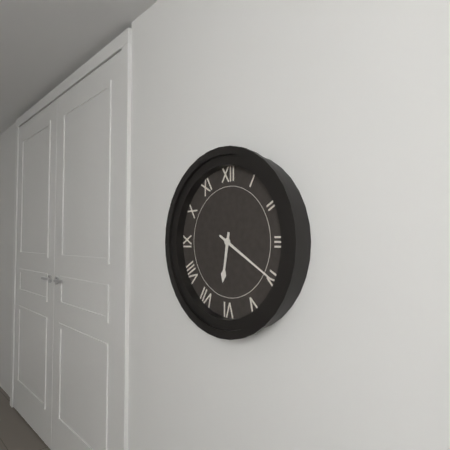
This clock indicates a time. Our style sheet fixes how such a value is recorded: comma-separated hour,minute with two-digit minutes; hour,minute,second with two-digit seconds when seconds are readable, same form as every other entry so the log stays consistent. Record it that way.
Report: 6,20
